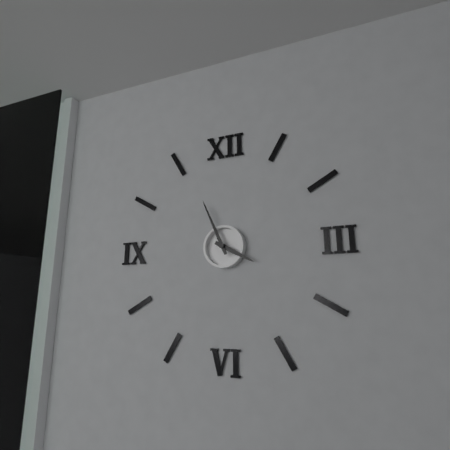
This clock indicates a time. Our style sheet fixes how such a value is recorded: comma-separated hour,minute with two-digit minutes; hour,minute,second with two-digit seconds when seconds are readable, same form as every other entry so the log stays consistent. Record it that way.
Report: 3,56
